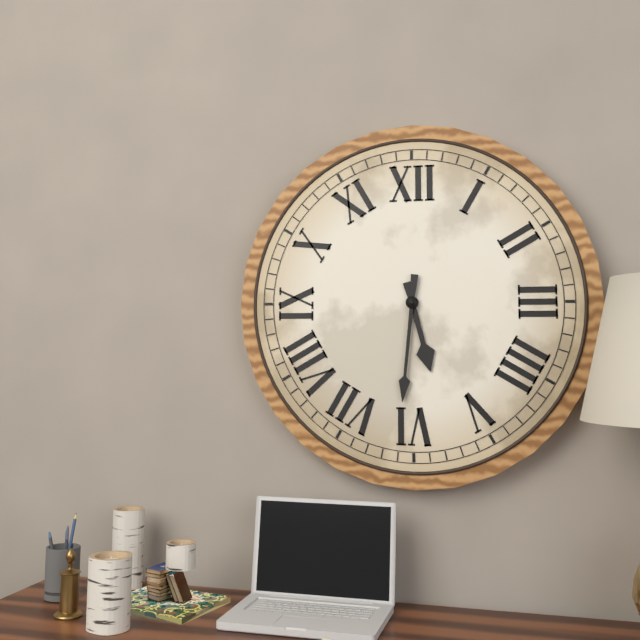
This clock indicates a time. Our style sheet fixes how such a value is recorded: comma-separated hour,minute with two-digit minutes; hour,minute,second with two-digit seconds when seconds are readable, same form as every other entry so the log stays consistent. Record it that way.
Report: 5,31
